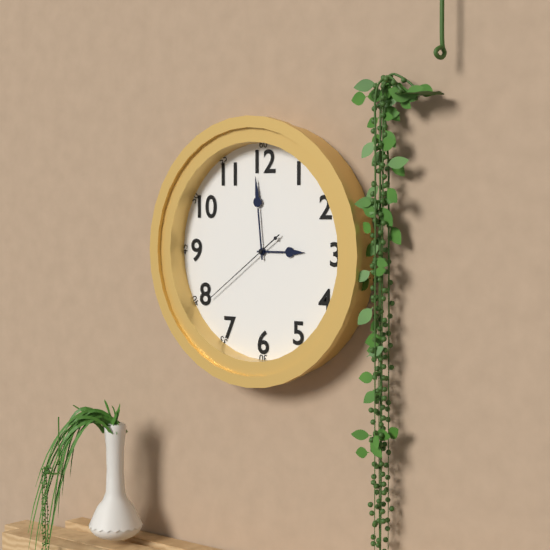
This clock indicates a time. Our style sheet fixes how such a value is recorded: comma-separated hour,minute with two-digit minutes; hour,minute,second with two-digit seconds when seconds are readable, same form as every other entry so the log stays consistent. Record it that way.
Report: 2,59,39
